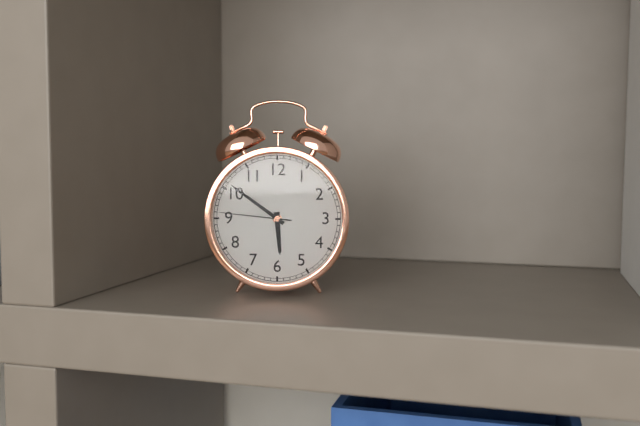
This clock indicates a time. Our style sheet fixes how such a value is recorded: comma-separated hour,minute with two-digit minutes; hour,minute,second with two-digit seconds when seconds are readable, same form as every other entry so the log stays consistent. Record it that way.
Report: 5,51,46
